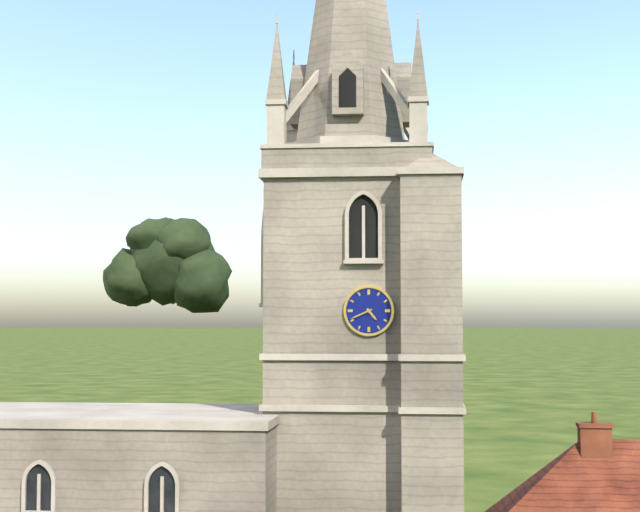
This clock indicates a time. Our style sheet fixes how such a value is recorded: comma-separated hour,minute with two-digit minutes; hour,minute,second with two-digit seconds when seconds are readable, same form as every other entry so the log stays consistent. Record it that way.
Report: 4,41
